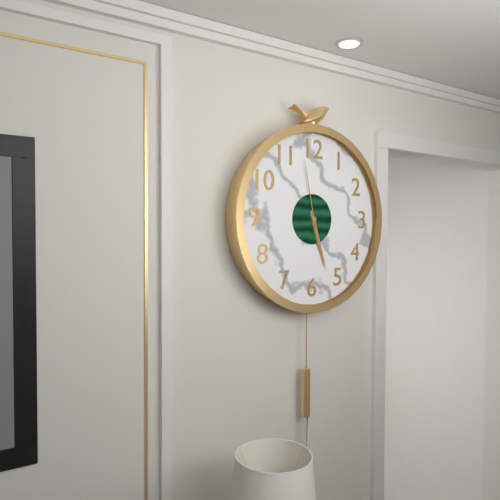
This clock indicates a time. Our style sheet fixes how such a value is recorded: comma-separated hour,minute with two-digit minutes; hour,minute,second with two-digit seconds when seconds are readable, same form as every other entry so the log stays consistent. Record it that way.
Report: 5,27,58
